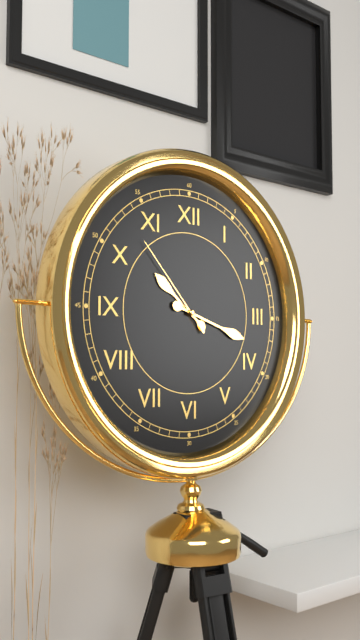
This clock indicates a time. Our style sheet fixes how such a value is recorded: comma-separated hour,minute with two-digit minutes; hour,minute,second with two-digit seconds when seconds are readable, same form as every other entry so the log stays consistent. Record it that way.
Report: 10,18,53
